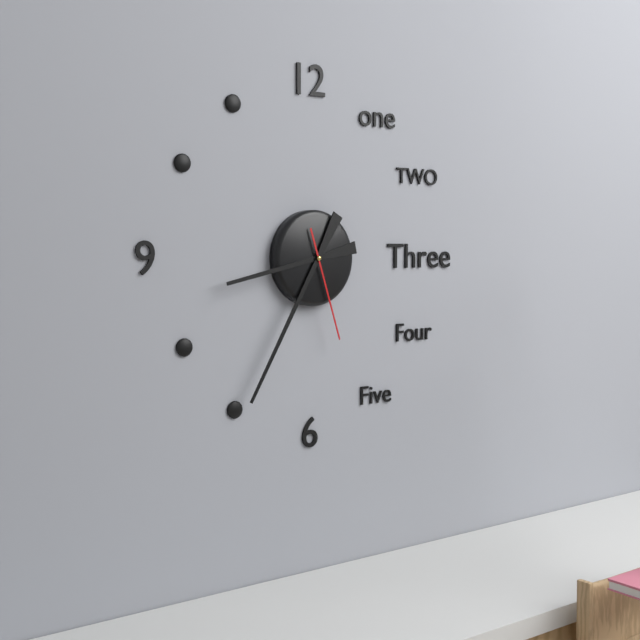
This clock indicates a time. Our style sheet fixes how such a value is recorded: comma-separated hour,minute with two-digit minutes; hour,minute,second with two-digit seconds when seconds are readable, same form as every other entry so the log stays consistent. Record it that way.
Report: 8,35,27
